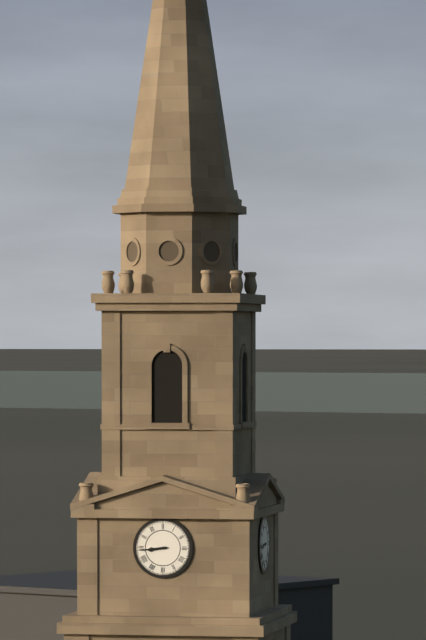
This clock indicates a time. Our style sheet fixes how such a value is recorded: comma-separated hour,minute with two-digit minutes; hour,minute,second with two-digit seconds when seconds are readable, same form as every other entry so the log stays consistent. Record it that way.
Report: 8,44
